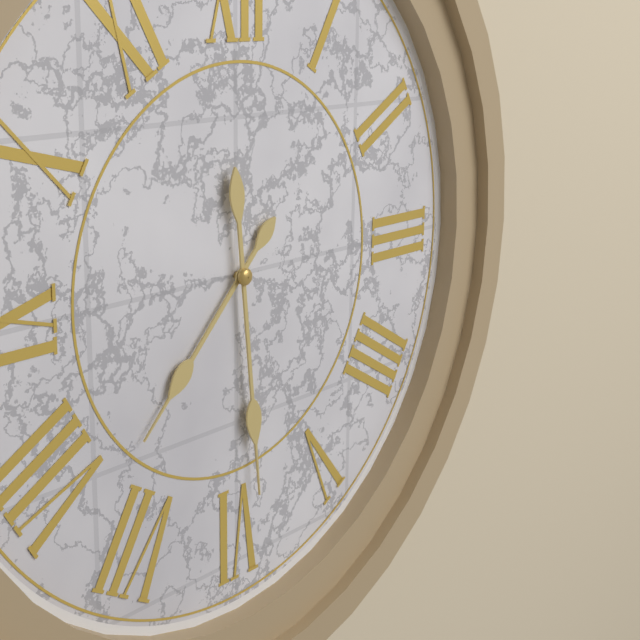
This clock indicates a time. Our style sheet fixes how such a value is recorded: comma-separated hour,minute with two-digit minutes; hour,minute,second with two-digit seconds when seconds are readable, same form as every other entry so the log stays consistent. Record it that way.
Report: 7,29
